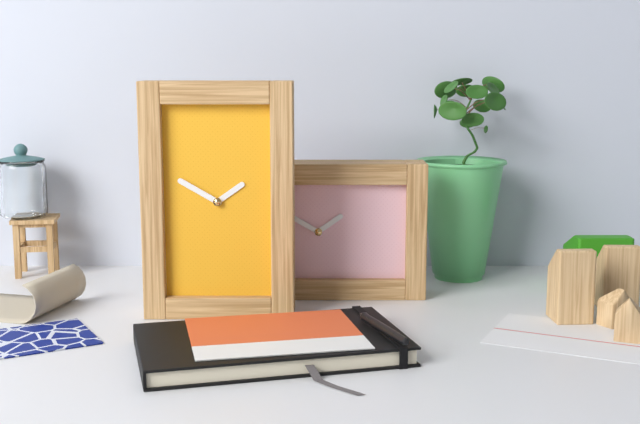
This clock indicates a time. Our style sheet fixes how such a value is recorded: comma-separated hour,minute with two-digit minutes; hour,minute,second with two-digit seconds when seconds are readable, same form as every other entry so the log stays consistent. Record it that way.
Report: 1,50
